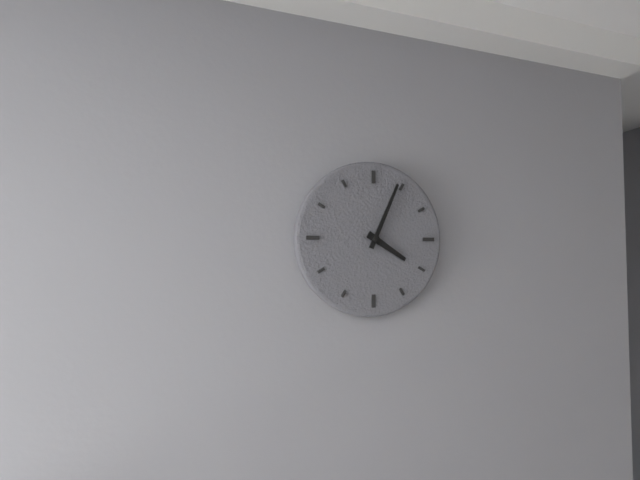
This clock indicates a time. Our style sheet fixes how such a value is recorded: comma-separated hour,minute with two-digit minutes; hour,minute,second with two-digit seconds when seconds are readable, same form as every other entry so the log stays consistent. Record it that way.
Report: 4,04
